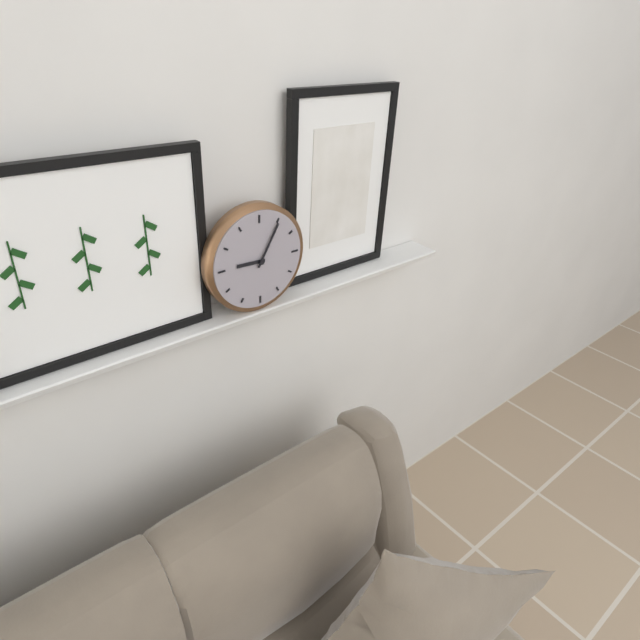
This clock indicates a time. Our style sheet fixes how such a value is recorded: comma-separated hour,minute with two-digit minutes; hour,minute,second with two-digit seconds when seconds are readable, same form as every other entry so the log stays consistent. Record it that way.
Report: 9,05
